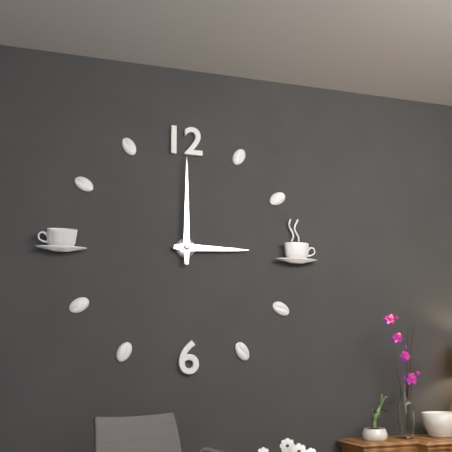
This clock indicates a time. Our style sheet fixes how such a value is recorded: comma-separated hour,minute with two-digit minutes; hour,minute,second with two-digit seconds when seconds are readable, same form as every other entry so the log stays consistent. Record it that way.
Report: 3,00
